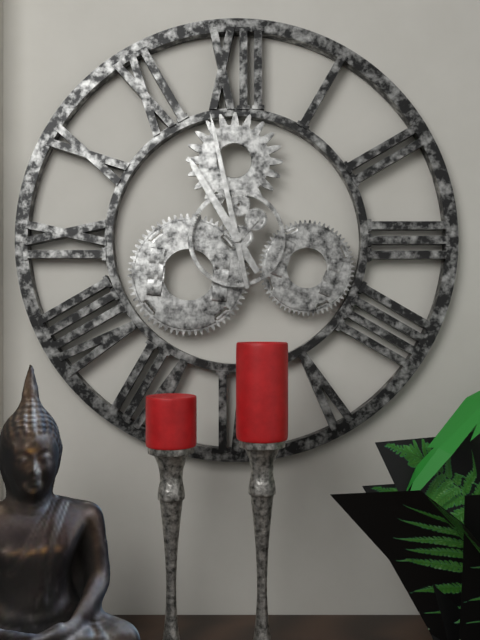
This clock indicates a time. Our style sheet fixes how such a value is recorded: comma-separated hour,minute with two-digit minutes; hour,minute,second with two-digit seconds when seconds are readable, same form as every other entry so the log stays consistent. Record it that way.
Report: 10,58
